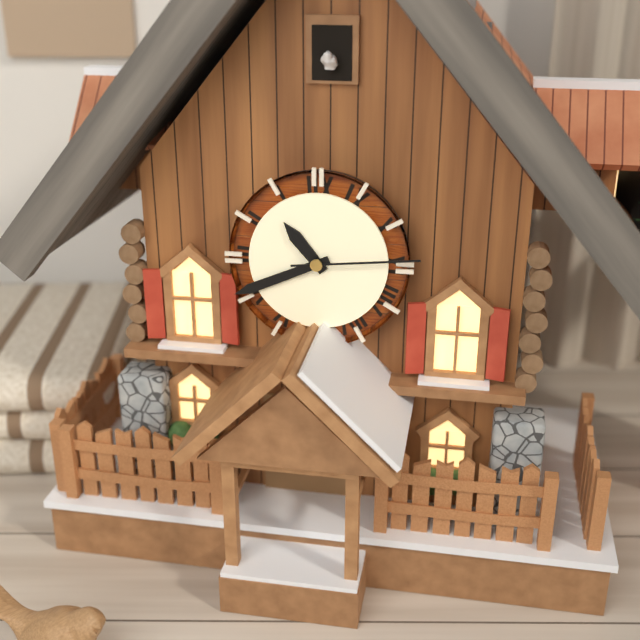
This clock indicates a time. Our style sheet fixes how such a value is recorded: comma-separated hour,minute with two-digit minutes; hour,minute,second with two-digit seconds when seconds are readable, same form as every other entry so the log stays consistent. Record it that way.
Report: 10,41,14
